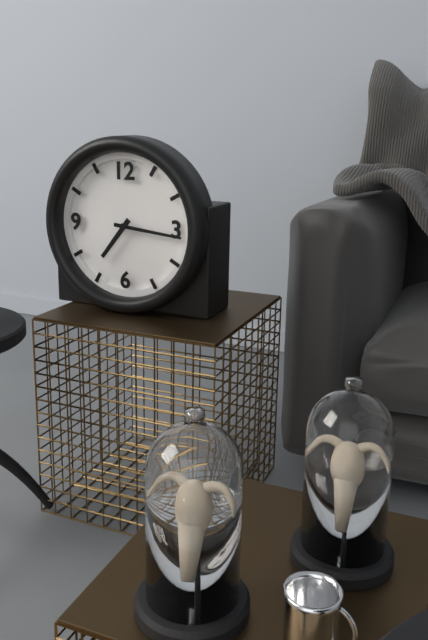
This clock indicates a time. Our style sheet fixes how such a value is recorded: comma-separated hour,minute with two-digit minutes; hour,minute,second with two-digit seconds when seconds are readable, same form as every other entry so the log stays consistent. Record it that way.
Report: 7,16
